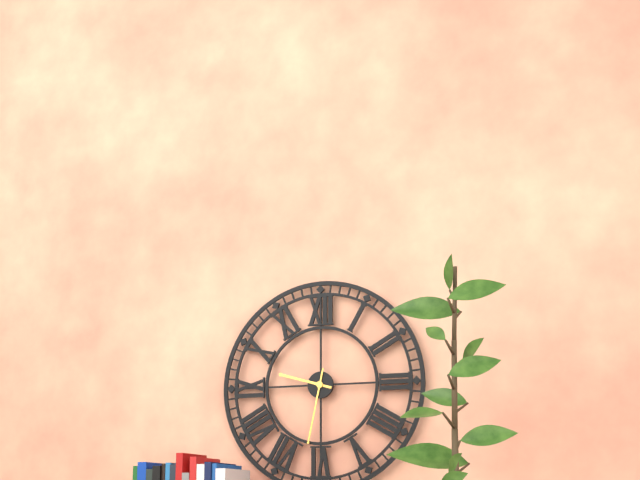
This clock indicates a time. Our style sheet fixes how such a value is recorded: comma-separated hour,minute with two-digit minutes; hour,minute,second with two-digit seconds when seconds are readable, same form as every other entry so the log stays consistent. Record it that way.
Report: 9,32
